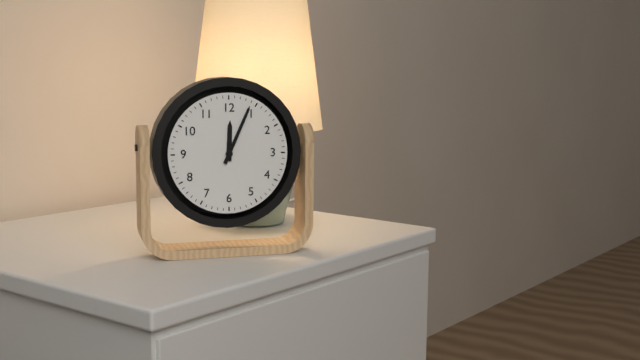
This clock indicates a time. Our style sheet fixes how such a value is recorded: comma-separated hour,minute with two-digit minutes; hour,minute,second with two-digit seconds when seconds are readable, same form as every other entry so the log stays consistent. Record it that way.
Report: 12,04
